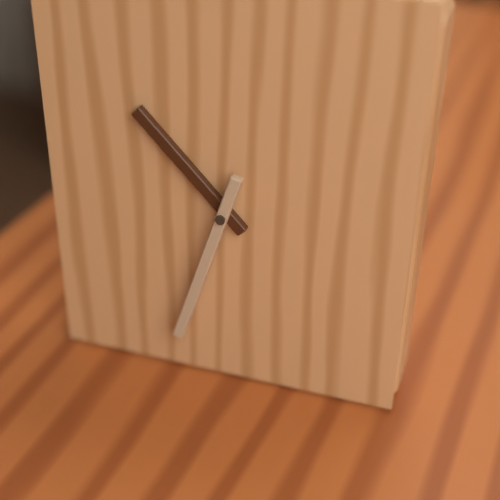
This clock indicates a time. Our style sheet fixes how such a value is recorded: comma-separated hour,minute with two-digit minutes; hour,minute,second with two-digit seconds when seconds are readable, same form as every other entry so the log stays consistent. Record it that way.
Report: 10,33
